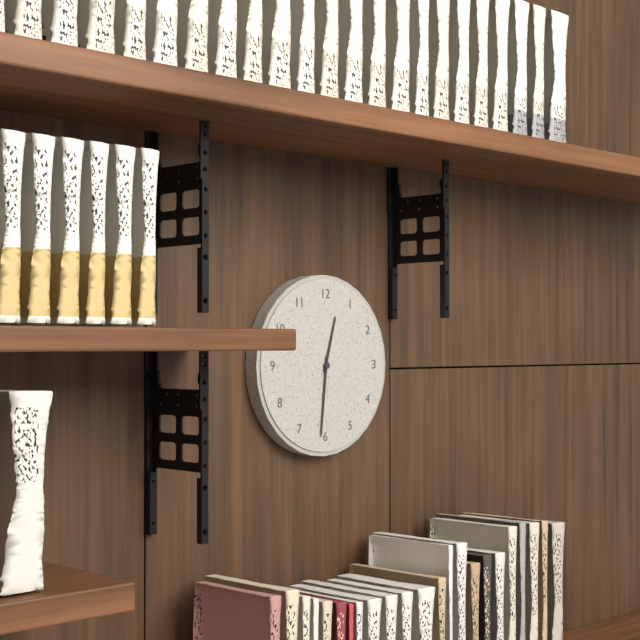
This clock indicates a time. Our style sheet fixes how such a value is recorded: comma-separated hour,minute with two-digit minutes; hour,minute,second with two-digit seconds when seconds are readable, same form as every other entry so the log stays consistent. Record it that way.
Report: 12,31
